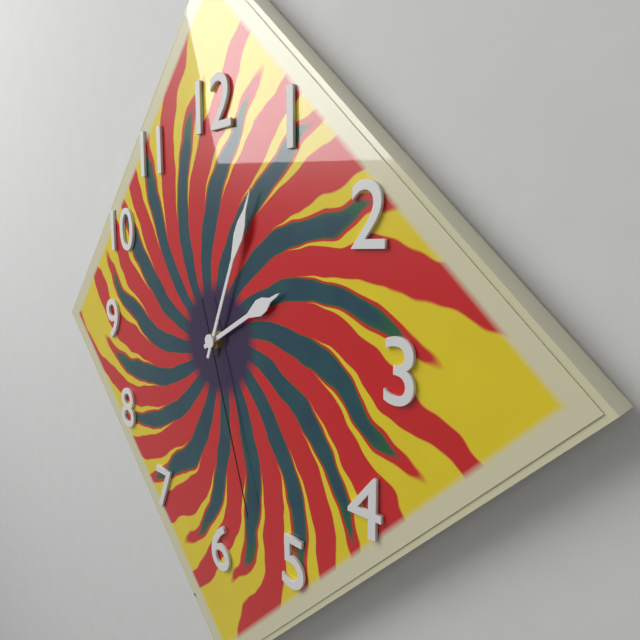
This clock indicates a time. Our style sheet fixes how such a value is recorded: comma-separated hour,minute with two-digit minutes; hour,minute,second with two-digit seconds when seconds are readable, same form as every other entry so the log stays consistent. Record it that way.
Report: 2,04,27
